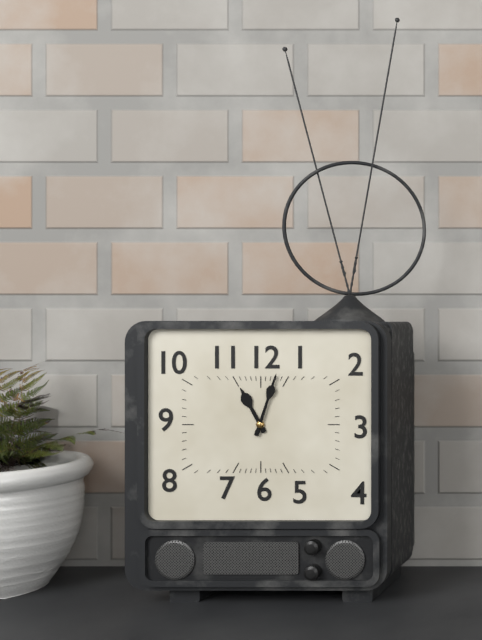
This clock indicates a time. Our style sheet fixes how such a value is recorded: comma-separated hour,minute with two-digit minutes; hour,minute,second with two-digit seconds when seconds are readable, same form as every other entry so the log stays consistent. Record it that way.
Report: 11,03
